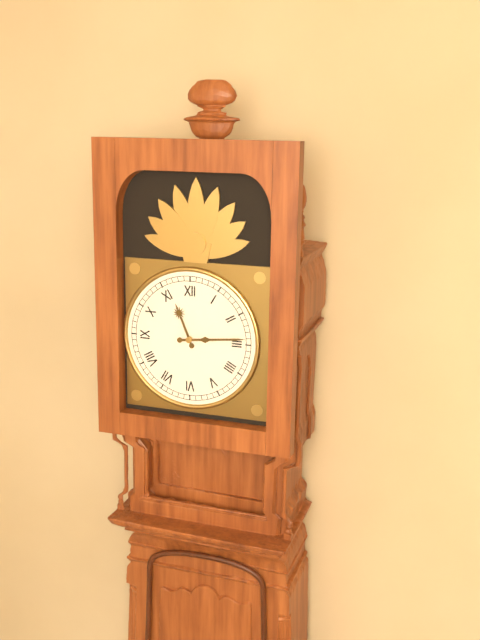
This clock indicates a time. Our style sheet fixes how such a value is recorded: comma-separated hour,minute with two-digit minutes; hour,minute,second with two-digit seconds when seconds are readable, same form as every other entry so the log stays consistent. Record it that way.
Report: 11,14
